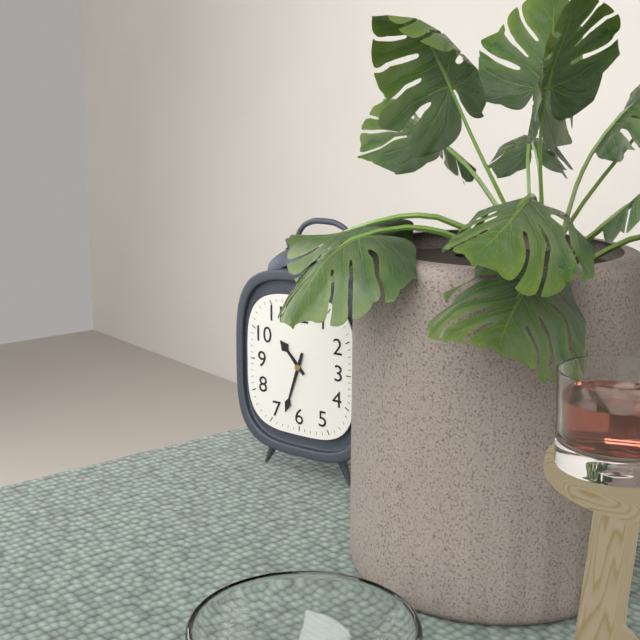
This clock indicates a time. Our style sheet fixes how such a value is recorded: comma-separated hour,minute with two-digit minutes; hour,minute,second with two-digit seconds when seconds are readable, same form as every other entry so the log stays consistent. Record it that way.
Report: 10,33
